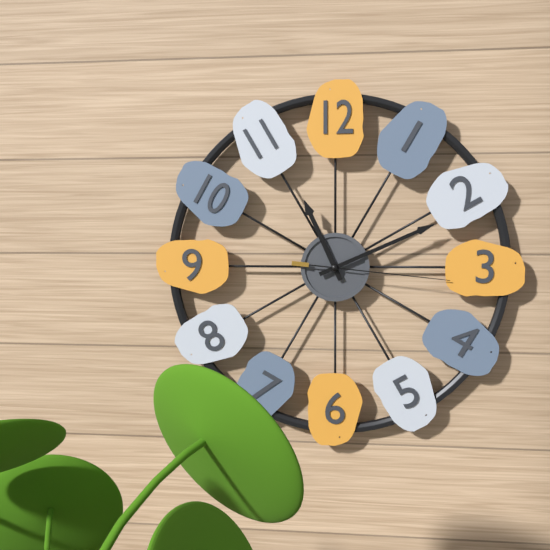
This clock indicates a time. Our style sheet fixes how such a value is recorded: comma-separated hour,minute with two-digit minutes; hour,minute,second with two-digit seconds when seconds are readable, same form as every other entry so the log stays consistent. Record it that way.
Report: 11,11,16
